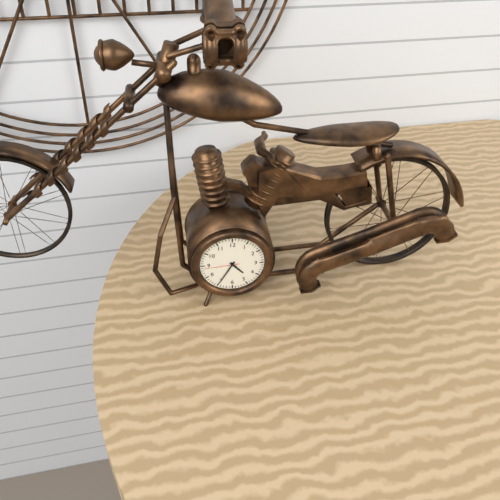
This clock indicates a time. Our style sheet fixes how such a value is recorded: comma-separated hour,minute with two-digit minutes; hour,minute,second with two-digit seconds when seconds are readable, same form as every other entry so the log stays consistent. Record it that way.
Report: 4,35
